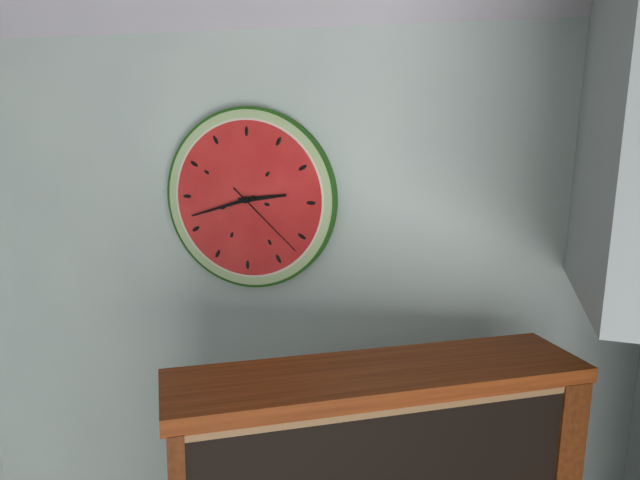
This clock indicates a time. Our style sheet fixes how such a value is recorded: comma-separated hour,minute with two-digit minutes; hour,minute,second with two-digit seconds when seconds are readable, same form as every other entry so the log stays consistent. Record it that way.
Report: 2,42,22
